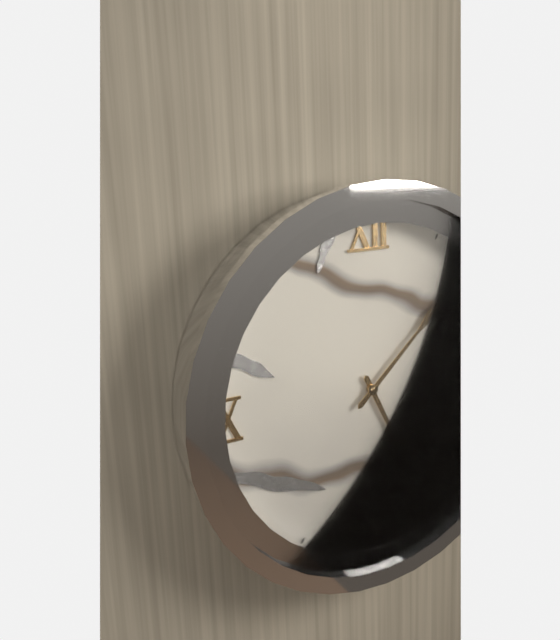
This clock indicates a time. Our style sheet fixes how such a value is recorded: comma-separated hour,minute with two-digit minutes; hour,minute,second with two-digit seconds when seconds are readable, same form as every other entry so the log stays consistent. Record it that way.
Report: 5,08
